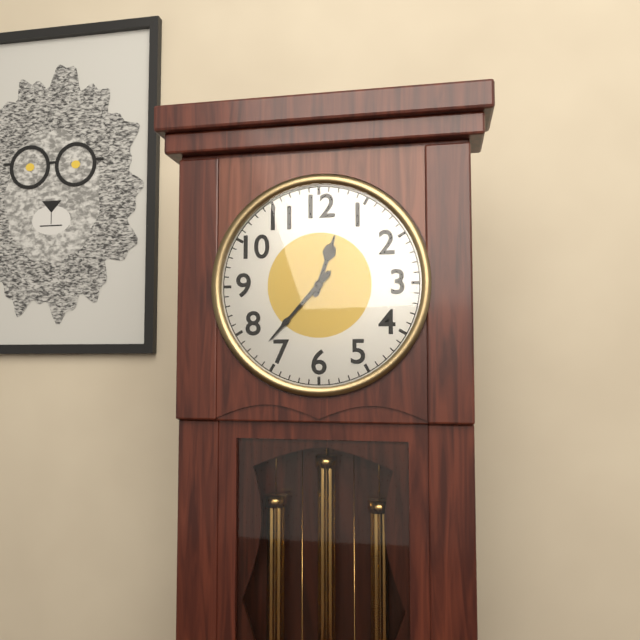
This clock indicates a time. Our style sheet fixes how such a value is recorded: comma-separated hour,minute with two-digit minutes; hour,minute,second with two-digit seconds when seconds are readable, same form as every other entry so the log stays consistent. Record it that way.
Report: 12,37
